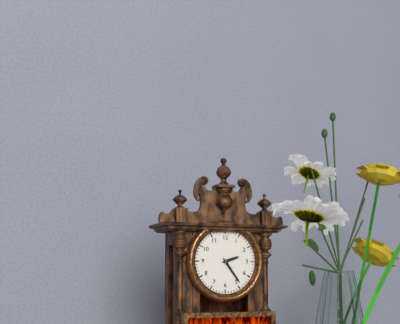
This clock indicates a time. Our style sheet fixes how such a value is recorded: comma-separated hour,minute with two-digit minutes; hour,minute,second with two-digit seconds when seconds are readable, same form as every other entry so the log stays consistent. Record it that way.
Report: 2,24
